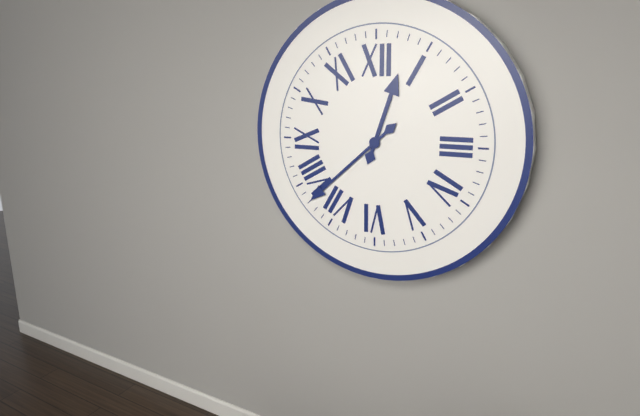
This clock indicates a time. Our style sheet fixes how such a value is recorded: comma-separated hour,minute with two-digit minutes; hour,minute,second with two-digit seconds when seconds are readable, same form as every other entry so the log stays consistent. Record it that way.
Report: 12,38
